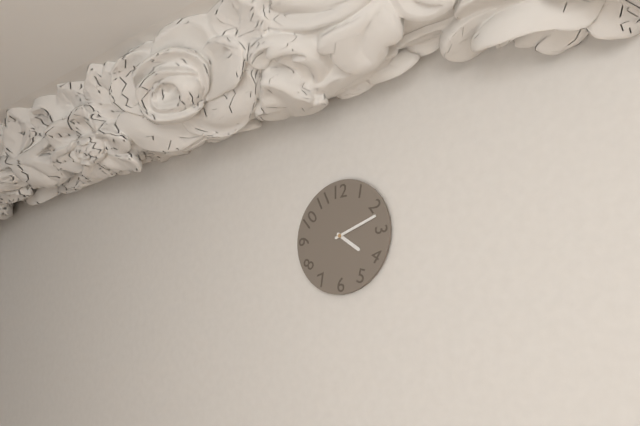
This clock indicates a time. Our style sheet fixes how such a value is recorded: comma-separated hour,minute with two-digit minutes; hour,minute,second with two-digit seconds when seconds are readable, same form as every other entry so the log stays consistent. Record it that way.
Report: 4,12
